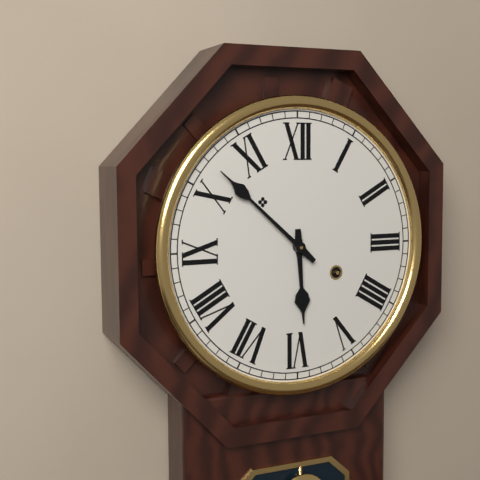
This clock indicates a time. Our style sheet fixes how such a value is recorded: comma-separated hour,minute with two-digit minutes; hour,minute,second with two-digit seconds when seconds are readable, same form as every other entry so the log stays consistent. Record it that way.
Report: 5,52
